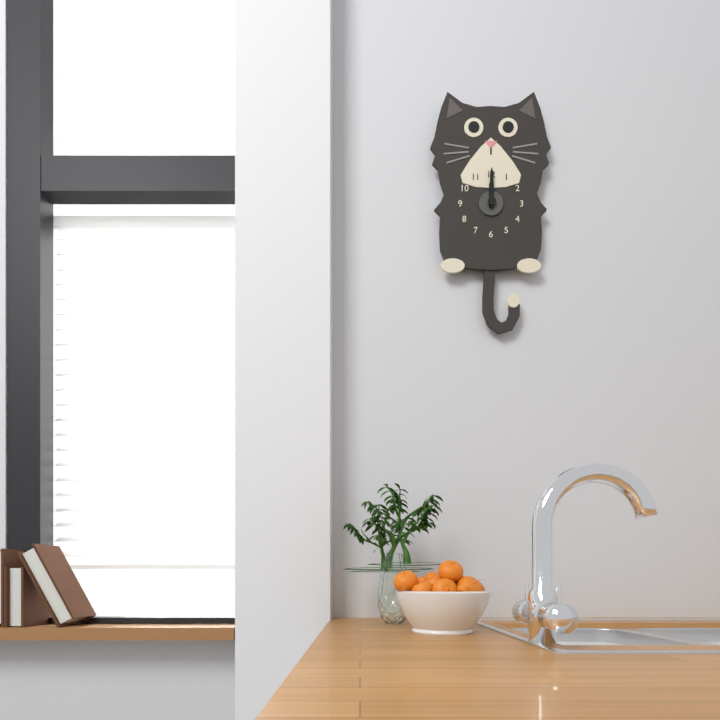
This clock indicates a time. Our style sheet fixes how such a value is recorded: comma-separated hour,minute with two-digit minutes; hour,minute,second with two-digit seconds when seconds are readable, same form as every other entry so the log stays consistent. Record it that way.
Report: 12,00
